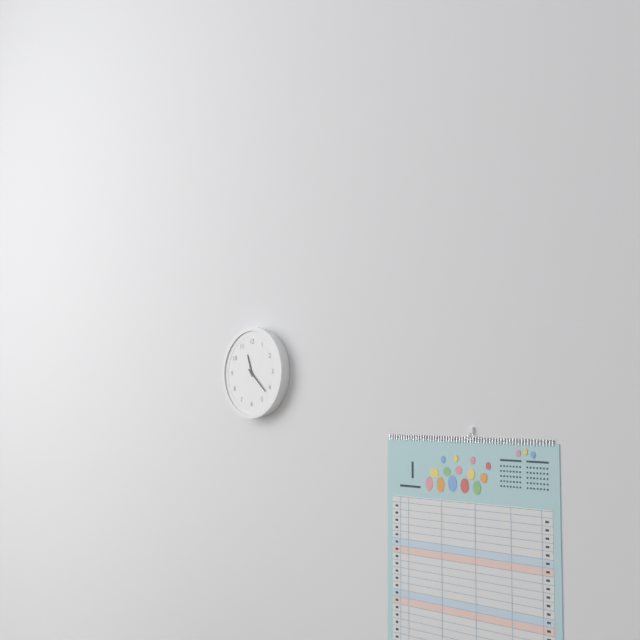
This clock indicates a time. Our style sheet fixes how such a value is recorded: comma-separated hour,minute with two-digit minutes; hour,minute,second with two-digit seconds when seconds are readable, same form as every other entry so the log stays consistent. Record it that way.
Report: 11,22
